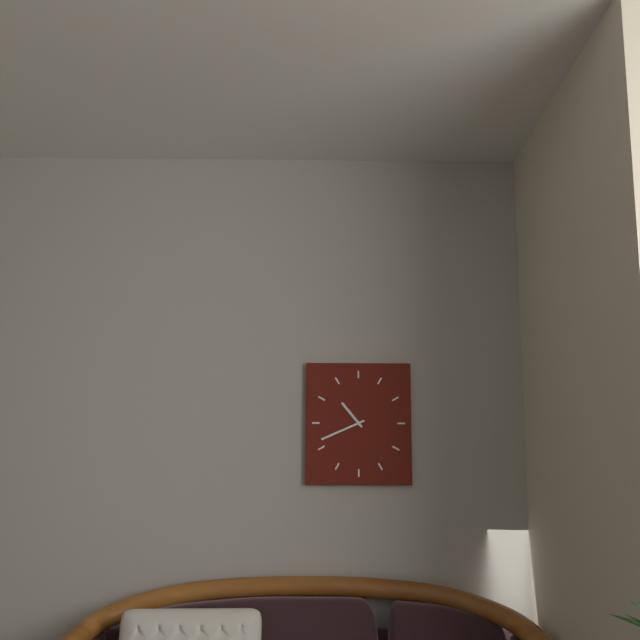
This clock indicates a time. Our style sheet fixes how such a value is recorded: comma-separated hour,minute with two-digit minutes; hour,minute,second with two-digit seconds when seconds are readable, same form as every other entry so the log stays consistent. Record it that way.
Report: 10,41
